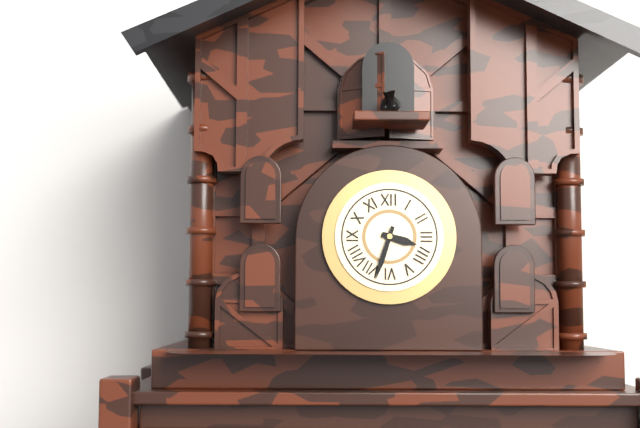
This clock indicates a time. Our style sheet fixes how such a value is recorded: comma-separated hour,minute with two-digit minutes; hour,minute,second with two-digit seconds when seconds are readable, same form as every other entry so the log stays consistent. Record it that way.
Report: 3,33
